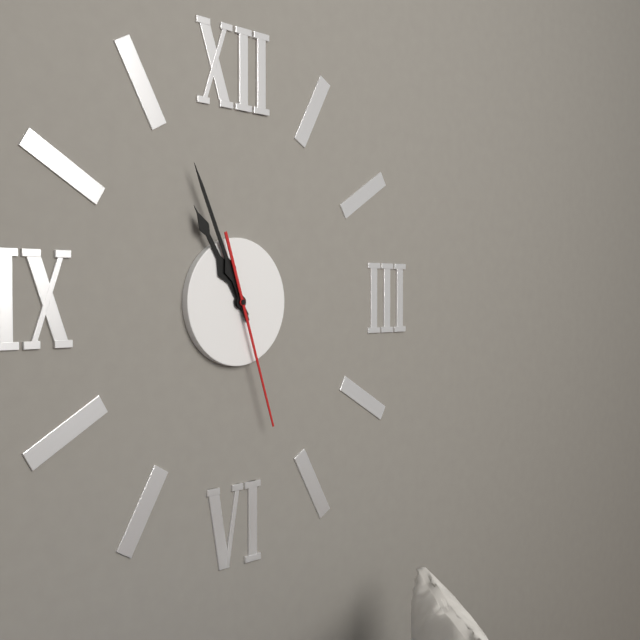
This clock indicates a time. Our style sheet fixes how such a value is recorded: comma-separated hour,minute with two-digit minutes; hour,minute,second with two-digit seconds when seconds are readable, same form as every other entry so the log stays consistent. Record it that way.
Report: 10,56,27
